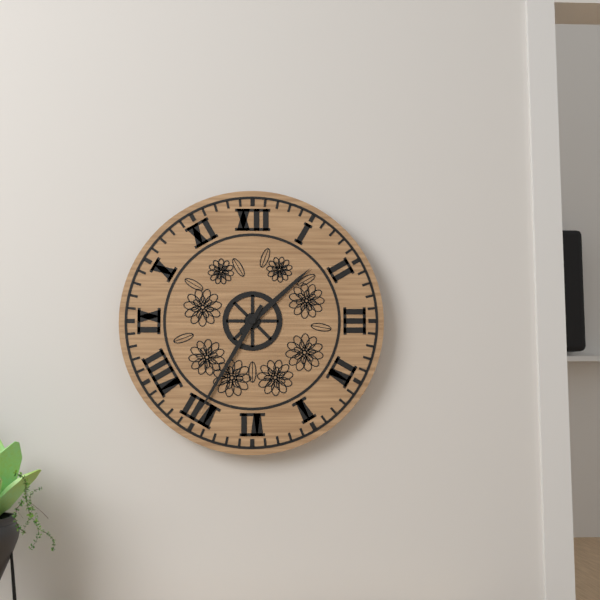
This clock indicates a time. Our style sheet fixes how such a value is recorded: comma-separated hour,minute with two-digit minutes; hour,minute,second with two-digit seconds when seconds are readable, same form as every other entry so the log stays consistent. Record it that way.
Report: 1,35
